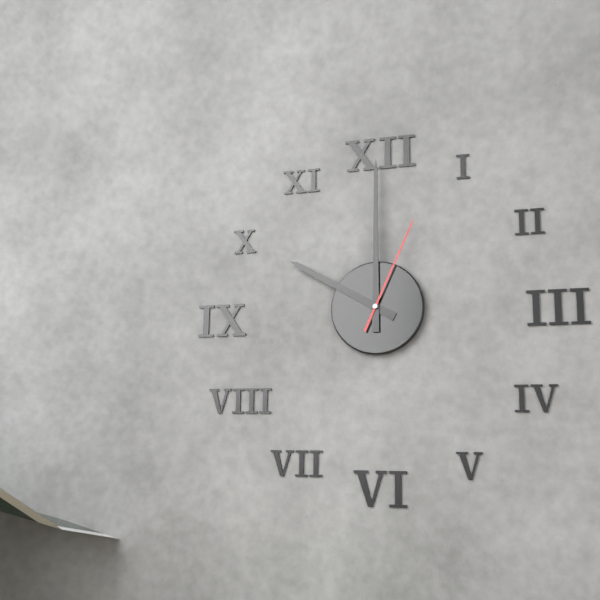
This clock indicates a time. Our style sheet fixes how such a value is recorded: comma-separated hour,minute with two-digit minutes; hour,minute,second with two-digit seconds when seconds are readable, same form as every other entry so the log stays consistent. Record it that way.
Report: 10,00,04
